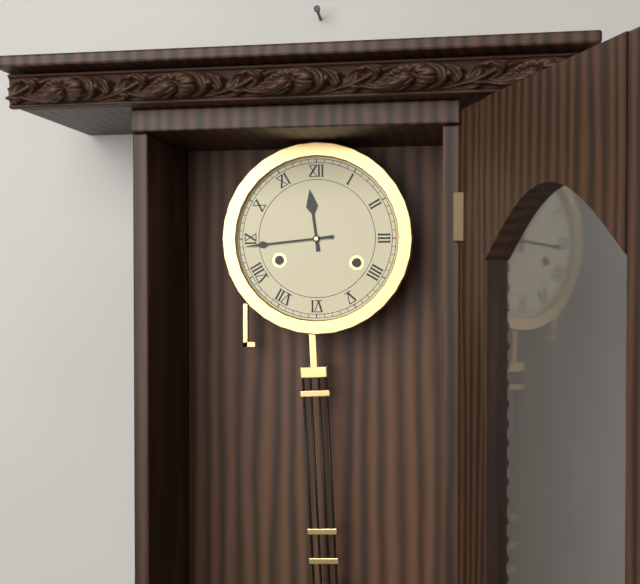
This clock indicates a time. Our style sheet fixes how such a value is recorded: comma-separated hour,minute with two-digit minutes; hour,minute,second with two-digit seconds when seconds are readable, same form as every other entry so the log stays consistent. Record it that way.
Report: 11,44
